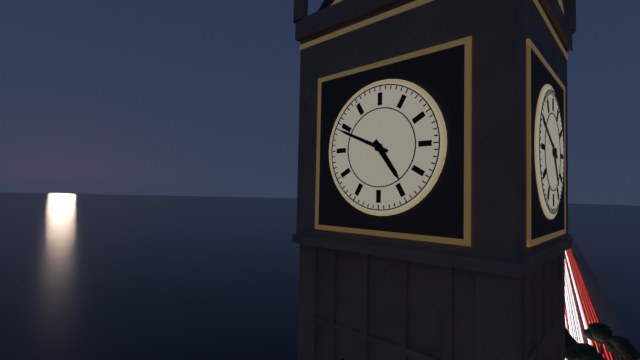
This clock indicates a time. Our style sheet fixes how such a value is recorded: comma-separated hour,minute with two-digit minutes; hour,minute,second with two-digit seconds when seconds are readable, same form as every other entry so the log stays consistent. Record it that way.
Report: 4,49
